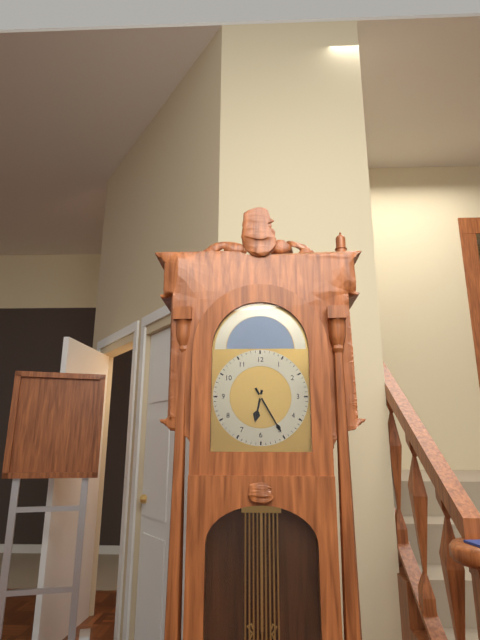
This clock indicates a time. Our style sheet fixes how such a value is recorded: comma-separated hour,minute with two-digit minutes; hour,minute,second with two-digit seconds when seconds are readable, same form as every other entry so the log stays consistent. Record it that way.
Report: 6,25
